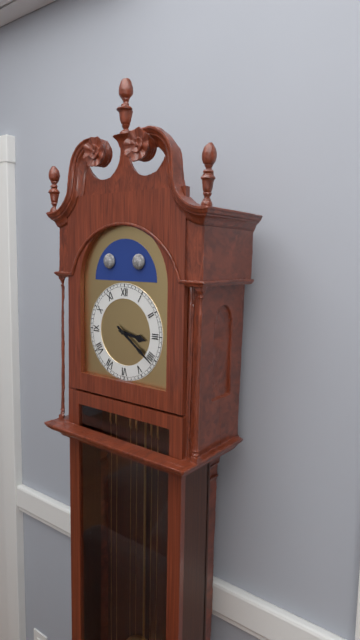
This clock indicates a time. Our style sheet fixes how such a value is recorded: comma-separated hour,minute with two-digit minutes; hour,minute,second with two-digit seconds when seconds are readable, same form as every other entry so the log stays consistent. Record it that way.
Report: 3,21
